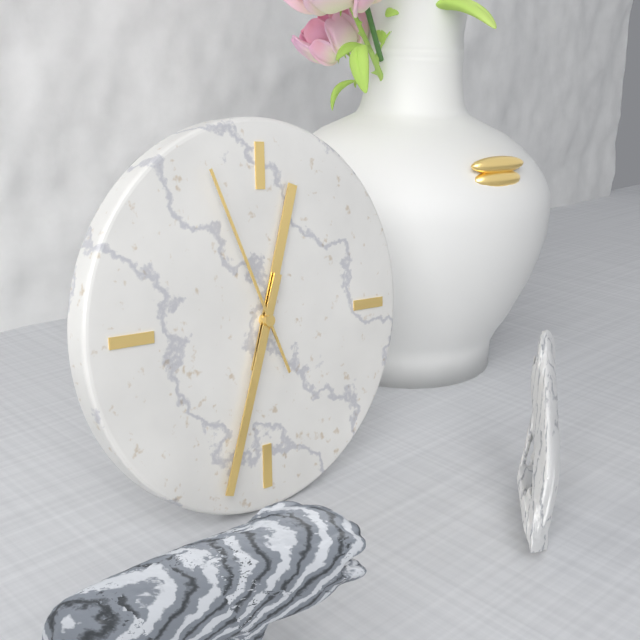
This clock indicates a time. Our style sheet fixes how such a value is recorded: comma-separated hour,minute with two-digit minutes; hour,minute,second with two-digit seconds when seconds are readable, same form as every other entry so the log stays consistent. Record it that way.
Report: 12,33,56
